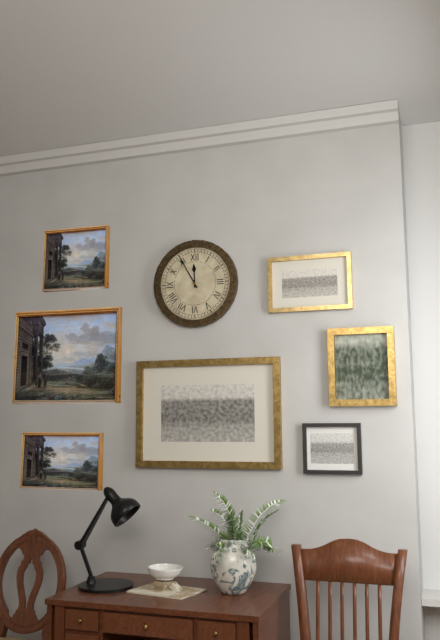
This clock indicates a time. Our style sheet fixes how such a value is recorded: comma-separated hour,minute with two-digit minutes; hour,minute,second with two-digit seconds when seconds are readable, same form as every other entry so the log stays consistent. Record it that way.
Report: 11,55
